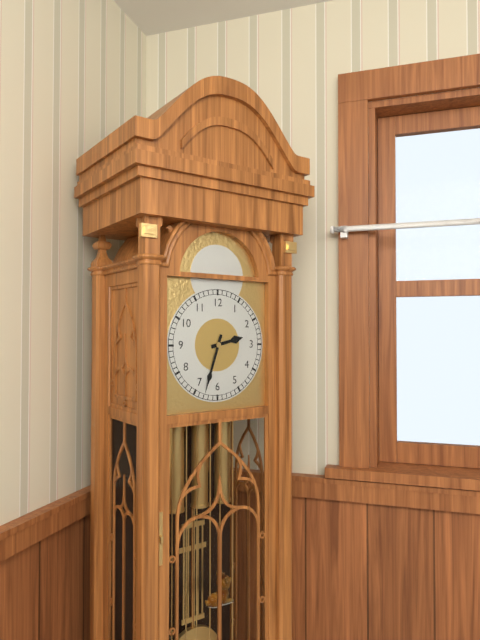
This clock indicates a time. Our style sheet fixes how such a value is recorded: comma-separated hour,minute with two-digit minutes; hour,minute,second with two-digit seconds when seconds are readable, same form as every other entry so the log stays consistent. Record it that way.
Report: 2,33
